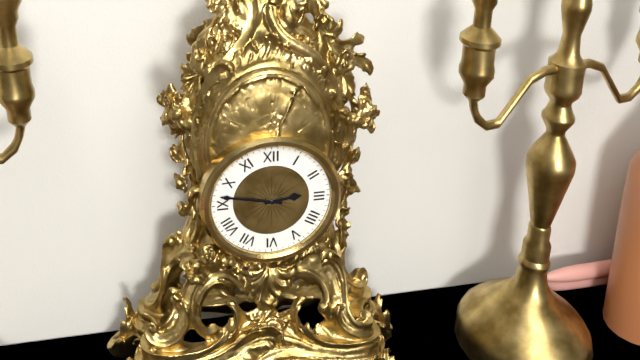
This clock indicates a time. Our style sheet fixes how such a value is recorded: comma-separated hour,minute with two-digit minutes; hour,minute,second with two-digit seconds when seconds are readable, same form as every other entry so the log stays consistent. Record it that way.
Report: 2,47
